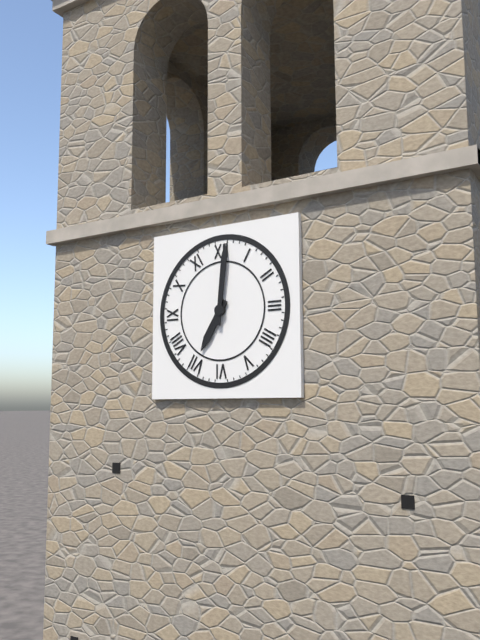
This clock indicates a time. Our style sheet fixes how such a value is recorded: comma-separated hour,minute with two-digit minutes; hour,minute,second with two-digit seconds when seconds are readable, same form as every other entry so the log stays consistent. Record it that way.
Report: 7,01
